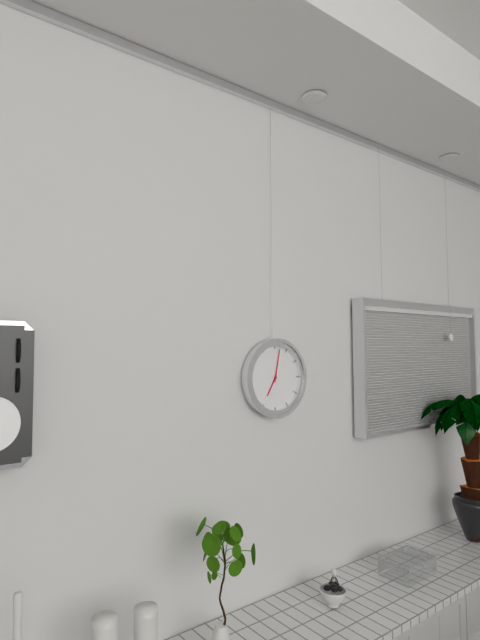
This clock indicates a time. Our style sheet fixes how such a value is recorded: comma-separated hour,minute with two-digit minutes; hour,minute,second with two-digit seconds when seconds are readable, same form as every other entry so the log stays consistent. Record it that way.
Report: 7,02
